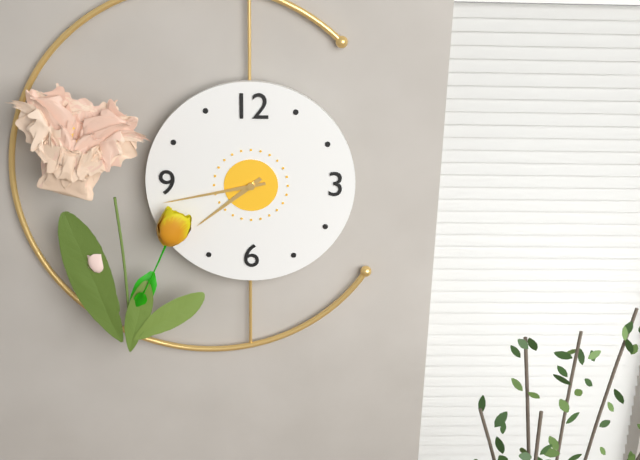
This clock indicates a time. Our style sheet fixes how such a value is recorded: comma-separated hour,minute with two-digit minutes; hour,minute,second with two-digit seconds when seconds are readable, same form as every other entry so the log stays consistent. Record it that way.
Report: 7,43
